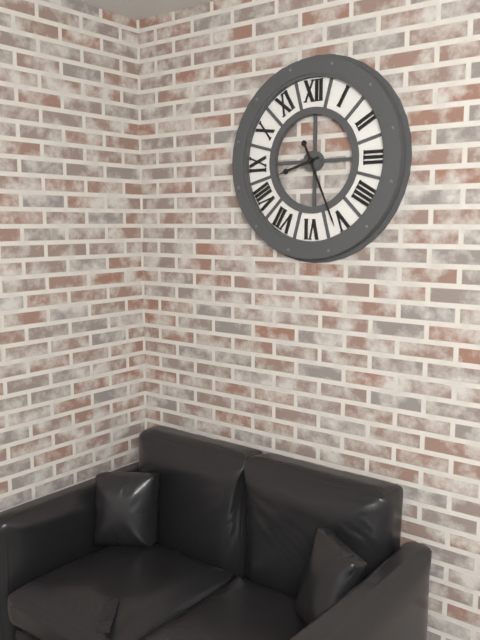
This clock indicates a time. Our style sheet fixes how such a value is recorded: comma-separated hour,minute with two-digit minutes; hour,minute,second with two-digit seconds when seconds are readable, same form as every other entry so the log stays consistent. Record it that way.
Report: 8,26
